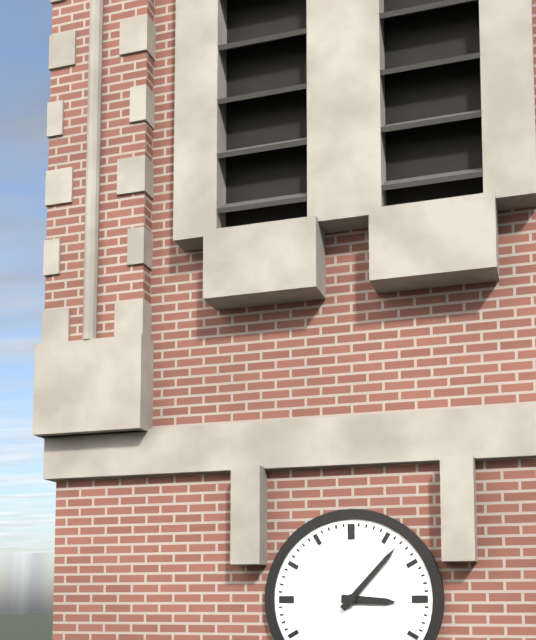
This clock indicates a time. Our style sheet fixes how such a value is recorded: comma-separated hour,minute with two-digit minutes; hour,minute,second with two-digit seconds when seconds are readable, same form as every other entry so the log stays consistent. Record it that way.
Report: 3,07
